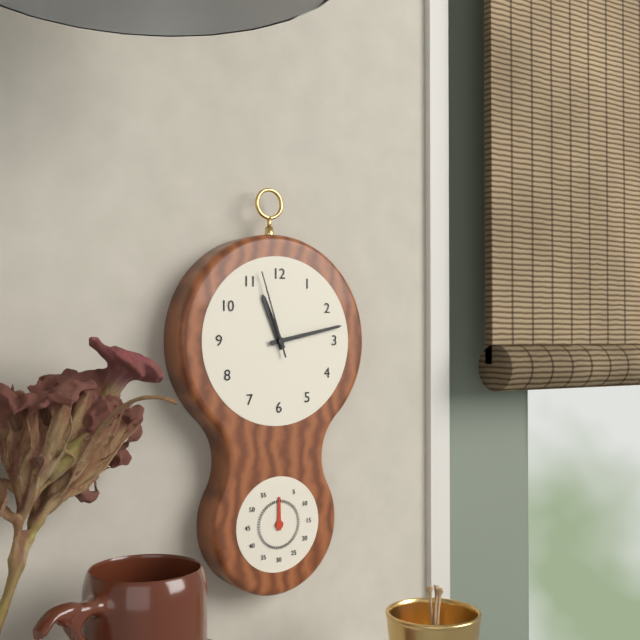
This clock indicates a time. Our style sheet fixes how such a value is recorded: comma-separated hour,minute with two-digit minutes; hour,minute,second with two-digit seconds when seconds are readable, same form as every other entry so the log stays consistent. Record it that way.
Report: 11,13,57
